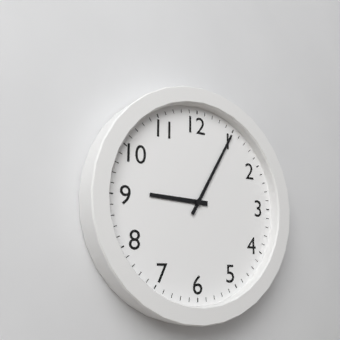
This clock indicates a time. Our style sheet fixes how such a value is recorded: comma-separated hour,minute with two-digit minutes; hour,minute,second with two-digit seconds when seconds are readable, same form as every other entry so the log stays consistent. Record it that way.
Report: 9,05
